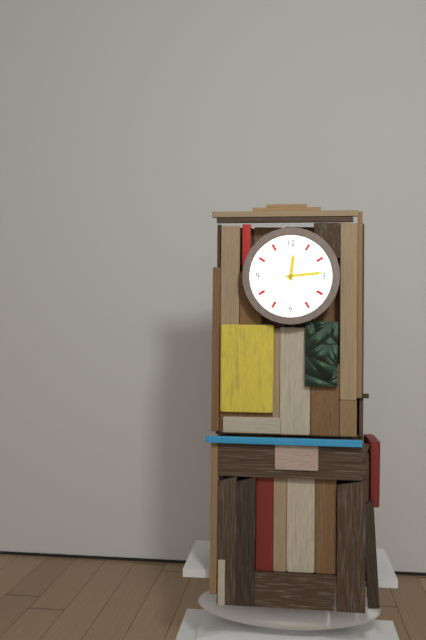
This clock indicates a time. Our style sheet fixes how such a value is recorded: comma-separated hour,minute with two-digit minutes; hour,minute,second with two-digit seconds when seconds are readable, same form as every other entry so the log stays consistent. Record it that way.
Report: 12,14
